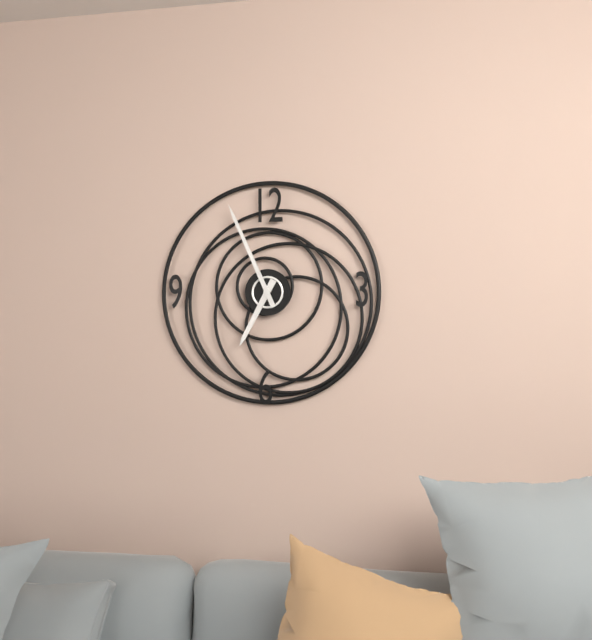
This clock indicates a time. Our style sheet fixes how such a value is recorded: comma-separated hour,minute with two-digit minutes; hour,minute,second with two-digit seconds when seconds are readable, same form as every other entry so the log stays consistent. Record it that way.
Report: 6,56
